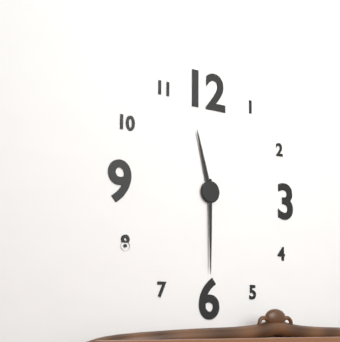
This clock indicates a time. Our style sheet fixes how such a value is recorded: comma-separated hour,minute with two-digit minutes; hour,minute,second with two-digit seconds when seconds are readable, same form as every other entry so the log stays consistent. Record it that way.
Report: 11,30
